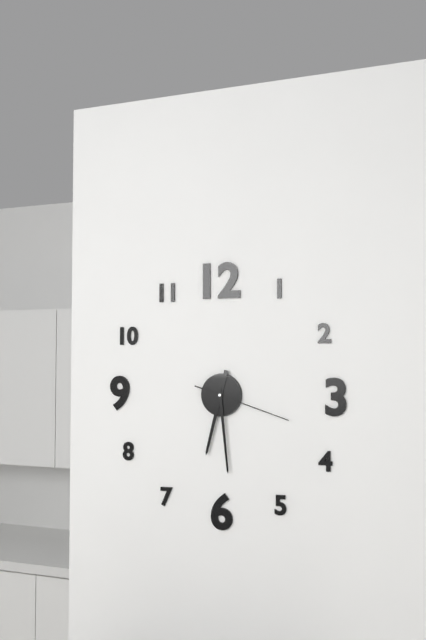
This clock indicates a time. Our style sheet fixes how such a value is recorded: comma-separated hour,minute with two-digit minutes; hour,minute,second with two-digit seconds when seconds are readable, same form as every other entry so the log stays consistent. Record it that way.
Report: 6,29,18
